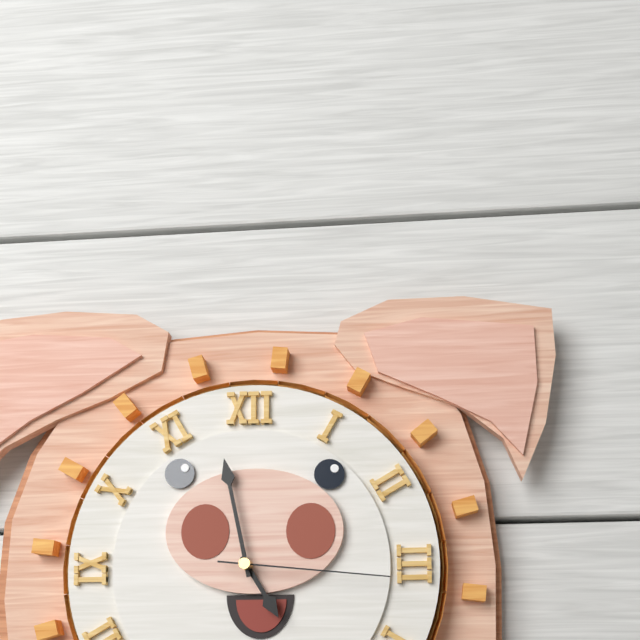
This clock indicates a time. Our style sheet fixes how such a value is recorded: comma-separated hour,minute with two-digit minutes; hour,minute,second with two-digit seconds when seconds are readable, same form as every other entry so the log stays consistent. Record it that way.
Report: 4,58,16
